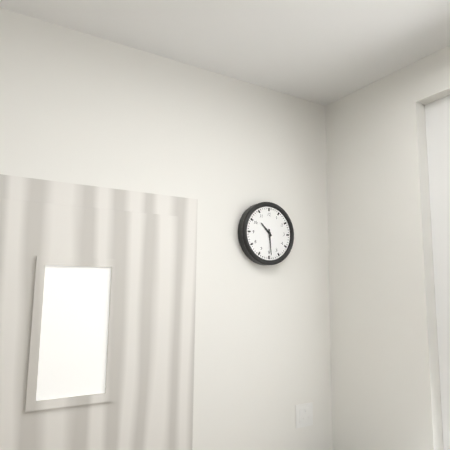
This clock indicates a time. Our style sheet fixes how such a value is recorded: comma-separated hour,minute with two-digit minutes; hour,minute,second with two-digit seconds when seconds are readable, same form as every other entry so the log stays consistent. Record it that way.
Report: 10,29
